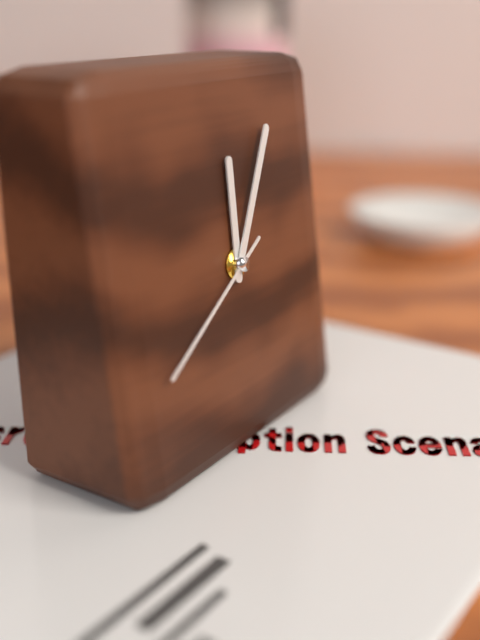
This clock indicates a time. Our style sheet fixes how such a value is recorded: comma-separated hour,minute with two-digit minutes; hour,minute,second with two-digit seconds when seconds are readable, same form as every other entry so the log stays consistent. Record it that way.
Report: 12,05,40
